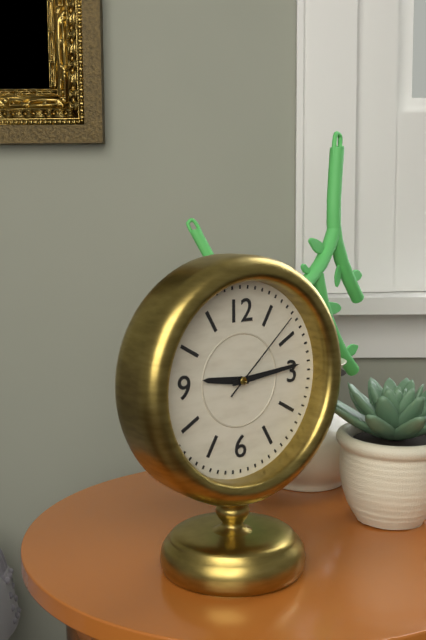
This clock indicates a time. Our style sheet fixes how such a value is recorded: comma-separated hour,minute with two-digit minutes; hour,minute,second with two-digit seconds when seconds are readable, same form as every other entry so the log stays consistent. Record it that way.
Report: 9,14,08
